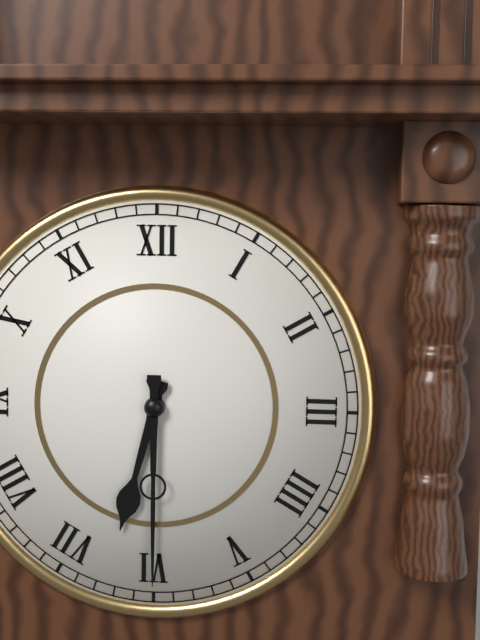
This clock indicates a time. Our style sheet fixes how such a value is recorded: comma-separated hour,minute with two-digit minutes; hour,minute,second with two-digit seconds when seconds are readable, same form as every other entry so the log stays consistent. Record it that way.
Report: 6,30
